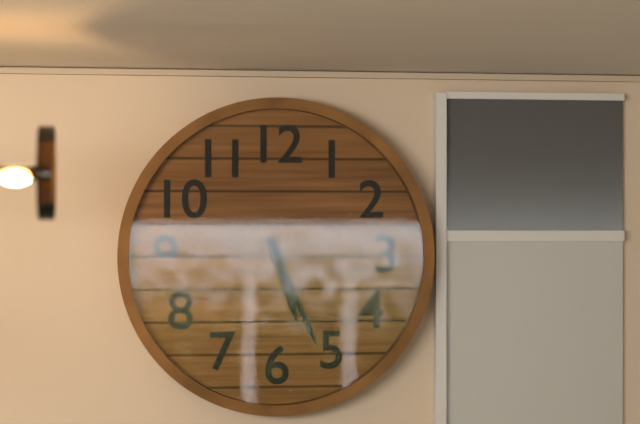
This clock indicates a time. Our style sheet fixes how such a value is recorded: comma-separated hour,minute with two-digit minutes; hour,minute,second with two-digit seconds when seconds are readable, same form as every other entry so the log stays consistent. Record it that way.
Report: 5,26
